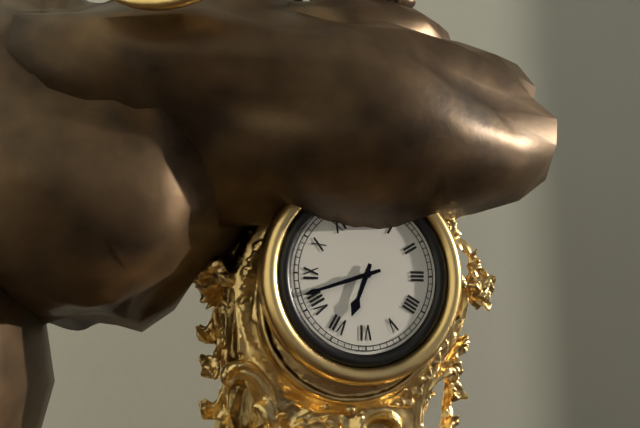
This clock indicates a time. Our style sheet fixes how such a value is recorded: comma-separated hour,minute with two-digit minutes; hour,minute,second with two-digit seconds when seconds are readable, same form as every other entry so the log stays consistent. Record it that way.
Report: 6,42
